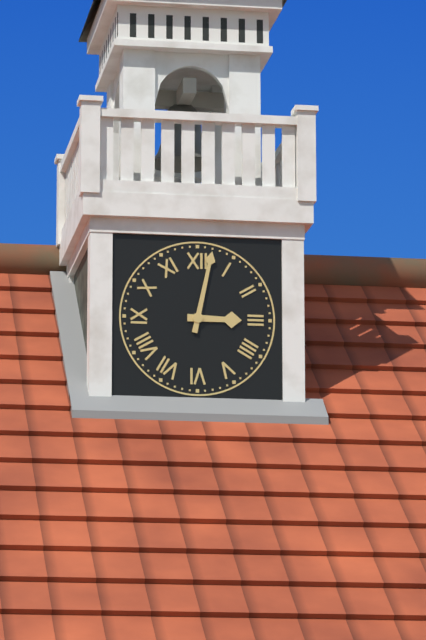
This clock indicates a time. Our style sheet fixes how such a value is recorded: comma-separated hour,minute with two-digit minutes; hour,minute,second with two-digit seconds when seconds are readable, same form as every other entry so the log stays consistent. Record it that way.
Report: 3,02
